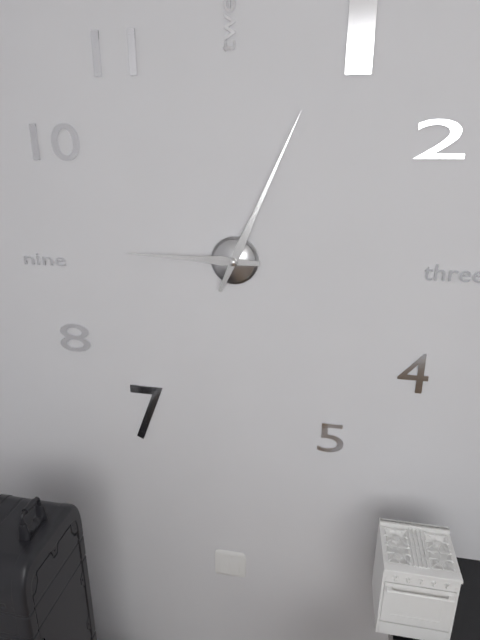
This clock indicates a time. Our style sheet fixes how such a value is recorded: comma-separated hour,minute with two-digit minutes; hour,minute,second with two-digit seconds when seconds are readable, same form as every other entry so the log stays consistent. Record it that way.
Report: 9,04
